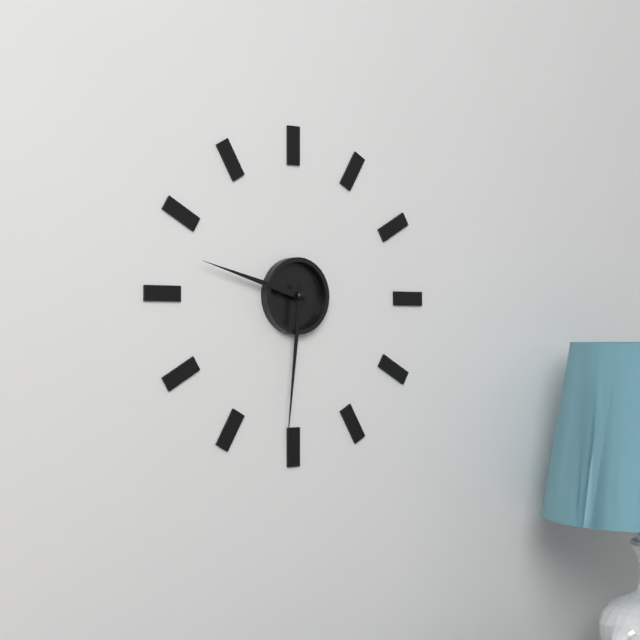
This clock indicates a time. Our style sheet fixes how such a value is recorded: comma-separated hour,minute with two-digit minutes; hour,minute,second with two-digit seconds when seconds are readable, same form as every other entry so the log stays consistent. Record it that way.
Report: 9,31
